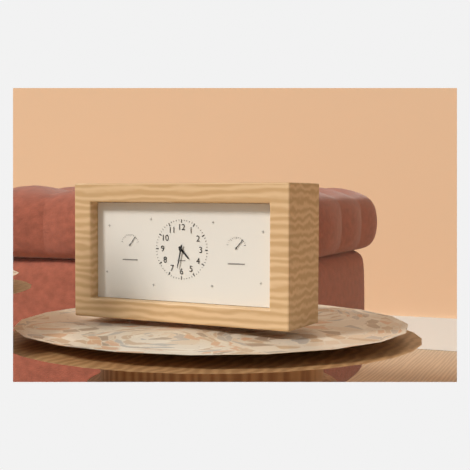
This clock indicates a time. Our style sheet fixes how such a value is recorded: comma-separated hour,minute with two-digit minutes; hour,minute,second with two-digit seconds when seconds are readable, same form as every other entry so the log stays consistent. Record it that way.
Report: 4,32
